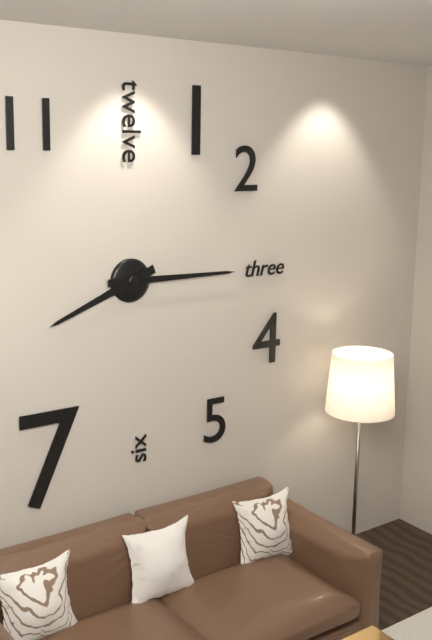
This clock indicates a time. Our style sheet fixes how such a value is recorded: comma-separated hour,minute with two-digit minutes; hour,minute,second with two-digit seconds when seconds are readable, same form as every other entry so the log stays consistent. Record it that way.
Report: 8,15
